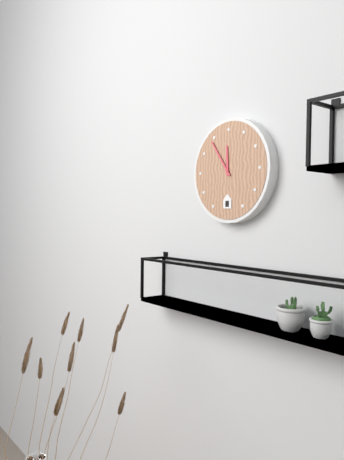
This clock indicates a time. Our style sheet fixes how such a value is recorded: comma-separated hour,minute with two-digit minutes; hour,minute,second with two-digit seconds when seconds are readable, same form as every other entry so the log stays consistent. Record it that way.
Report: 11,54
